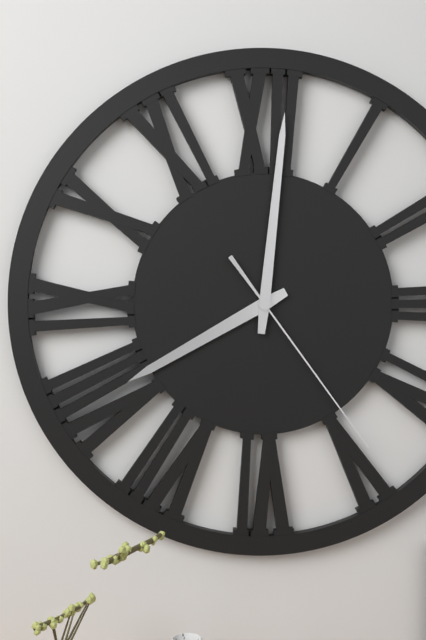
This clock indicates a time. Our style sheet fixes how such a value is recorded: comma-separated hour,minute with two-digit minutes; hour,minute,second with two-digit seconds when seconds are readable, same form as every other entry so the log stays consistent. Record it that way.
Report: 8,01,24
